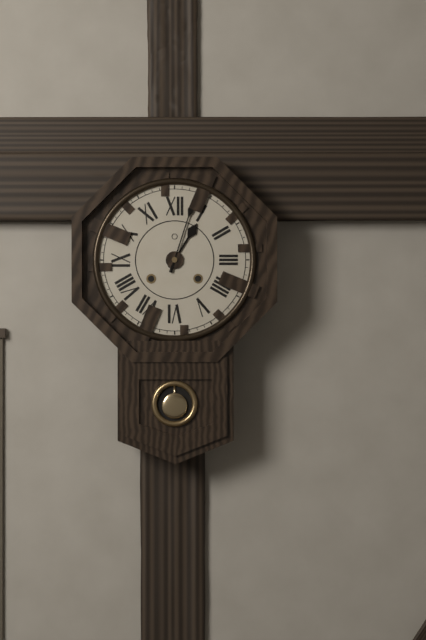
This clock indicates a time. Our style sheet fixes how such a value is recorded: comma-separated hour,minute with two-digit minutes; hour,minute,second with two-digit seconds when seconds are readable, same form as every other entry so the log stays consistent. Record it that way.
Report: 1,03
